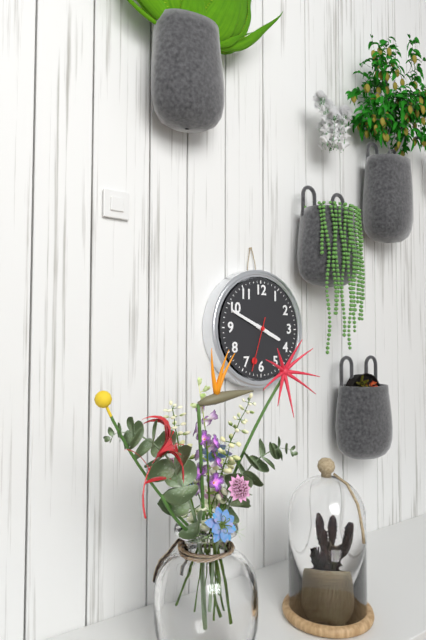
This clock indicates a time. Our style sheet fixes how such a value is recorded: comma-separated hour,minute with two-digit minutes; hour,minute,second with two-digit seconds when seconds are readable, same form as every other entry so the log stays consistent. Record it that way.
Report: 3,49,33
